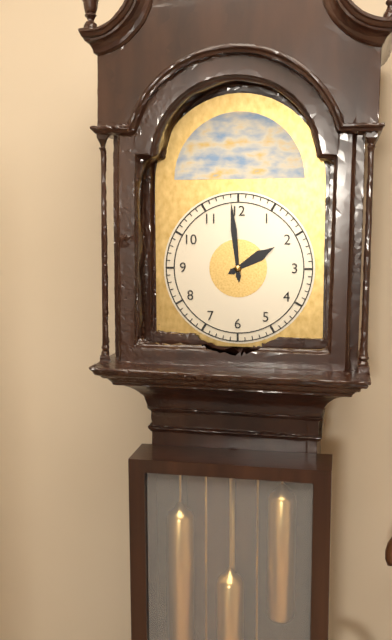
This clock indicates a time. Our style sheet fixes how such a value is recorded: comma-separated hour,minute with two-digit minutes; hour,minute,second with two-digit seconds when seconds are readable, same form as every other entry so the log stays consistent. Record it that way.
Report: 1,59
